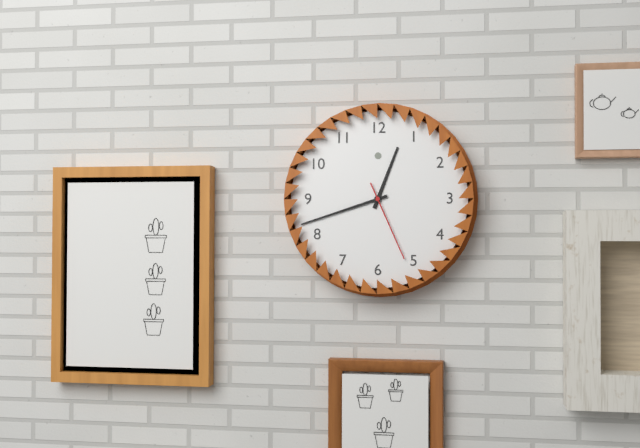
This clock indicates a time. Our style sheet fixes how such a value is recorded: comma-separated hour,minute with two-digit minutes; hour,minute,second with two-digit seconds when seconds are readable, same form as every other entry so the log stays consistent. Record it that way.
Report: 12,42,26
